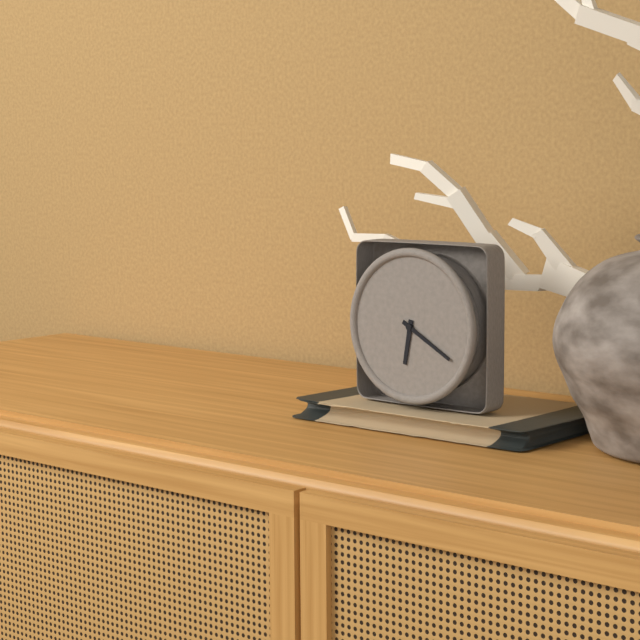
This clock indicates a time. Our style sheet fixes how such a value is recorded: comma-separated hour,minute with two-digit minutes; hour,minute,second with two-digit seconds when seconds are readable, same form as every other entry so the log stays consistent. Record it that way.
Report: 6,20
